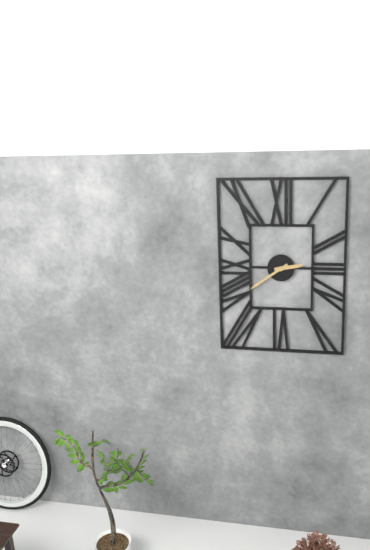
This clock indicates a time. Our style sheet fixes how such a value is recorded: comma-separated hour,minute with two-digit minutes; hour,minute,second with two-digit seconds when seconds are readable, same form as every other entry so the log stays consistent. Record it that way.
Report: 2,39
